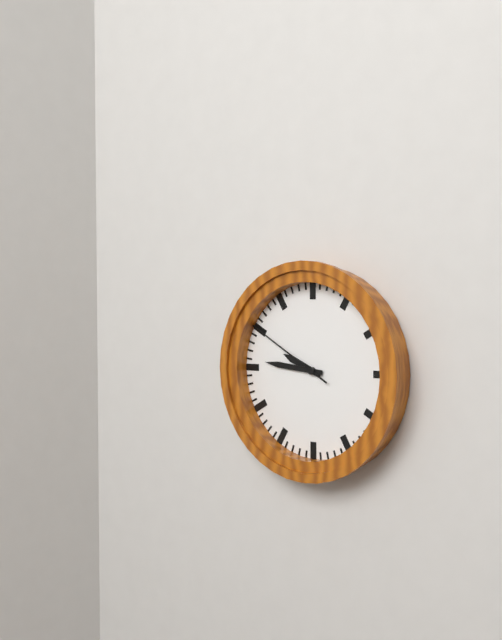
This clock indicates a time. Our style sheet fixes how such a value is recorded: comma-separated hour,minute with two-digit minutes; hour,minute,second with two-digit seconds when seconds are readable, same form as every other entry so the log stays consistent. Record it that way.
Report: 9,46,50
